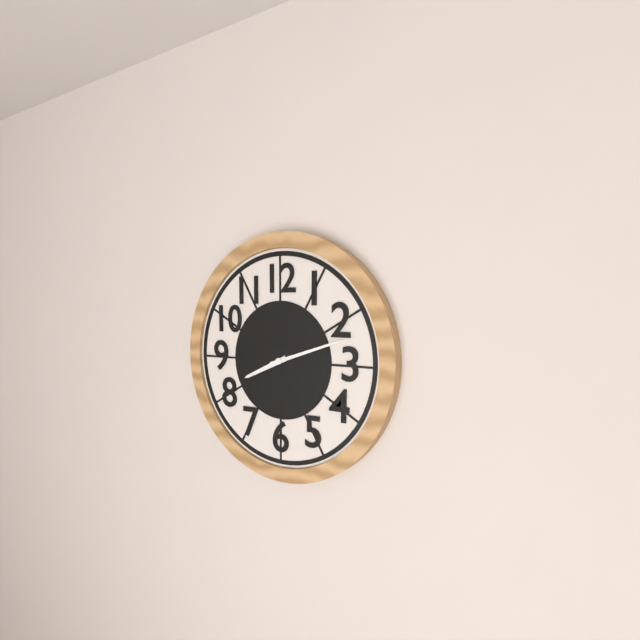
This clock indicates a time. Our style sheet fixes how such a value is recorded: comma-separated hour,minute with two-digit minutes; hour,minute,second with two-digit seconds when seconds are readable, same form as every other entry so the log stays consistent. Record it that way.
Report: 8,12
